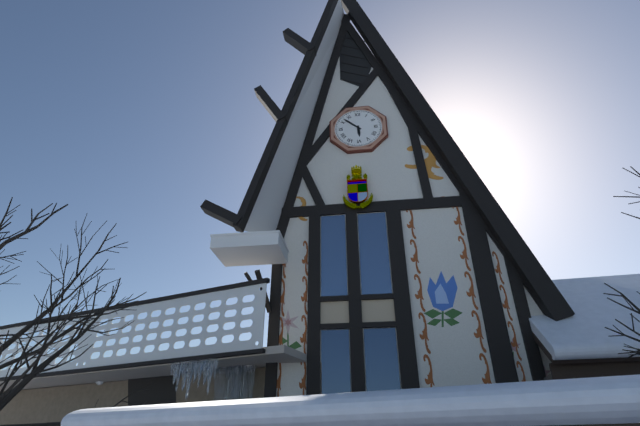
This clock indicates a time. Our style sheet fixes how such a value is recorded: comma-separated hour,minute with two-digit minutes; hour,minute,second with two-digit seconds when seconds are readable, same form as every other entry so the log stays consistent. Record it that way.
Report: 5,52
